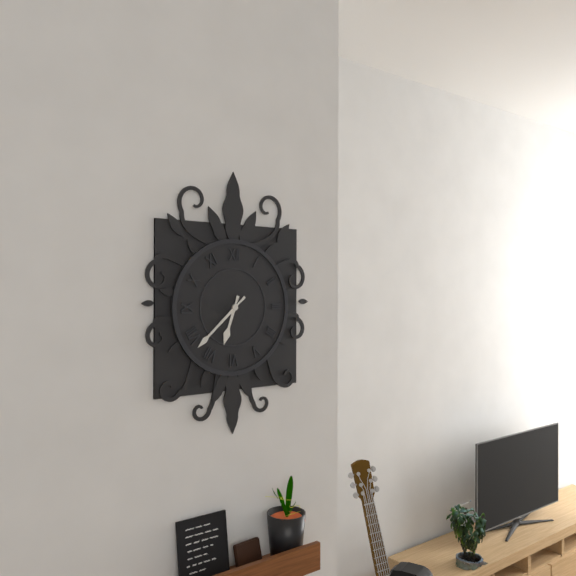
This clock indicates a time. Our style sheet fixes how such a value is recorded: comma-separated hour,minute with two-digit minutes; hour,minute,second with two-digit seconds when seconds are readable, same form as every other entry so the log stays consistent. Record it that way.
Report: 6,38
